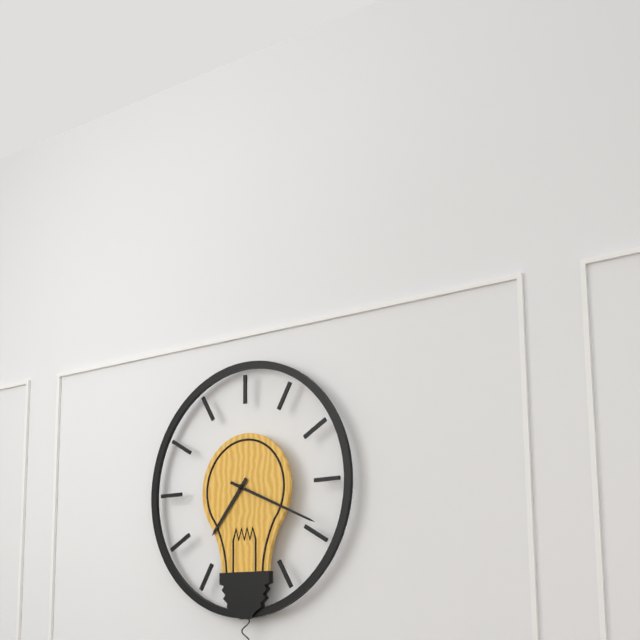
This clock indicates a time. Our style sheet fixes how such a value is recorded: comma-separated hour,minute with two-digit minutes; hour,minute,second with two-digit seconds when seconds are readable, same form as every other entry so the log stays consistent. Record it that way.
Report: 7,19
